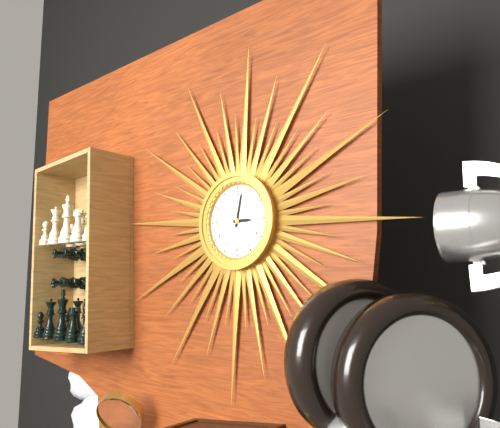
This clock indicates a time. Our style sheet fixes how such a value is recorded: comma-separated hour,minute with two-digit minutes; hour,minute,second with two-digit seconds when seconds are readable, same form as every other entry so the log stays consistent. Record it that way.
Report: 3,02
